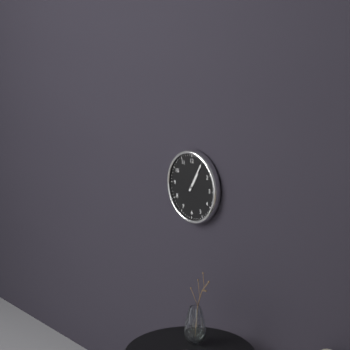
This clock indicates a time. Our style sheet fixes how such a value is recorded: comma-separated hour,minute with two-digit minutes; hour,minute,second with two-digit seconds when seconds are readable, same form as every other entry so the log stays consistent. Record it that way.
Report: 1,05
